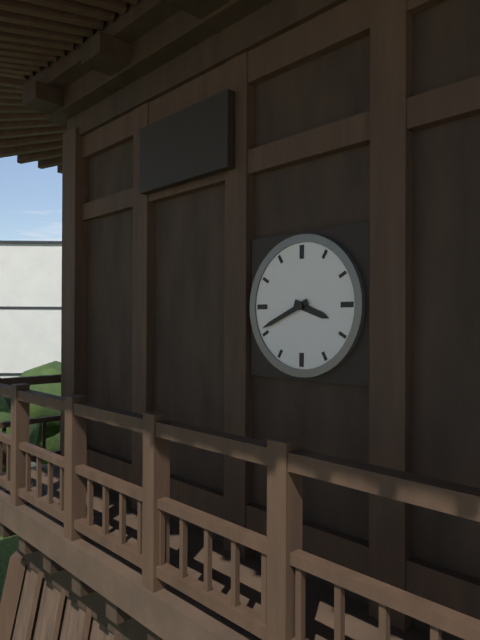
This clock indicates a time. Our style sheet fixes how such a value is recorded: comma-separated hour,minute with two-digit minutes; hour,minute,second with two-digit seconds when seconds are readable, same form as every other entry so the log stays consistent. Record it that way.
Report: 3,41
